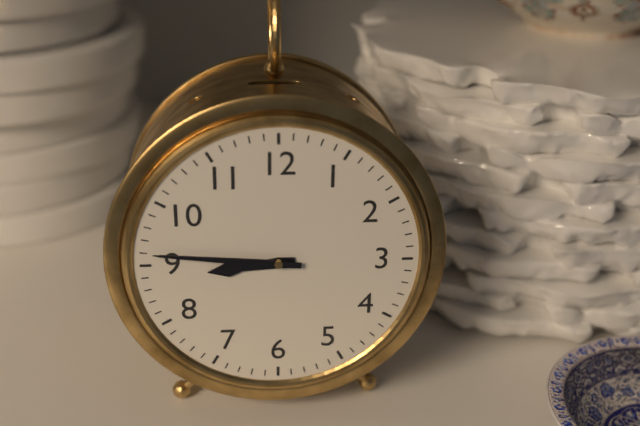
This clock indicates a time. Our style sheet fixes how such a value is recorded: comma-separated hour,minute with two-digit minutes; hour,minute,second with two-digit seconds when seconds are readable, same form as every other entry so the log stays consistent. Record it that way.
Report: 8,46
